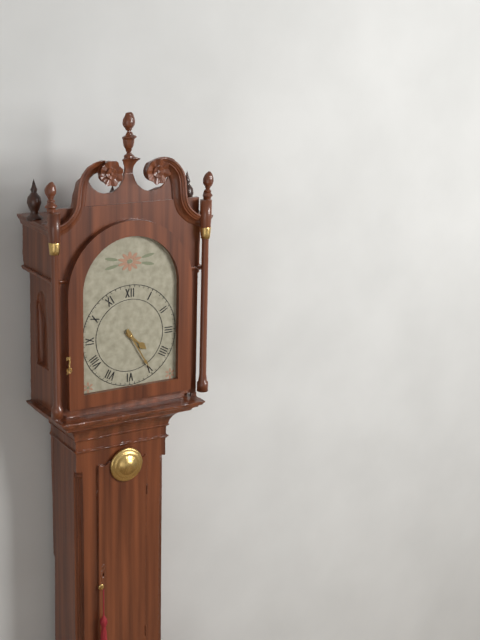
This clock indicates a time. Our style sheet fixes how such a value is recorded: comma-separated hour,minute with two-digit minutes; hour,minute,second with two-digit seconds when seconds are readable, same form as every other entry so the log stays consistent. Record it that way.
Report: 4,25
